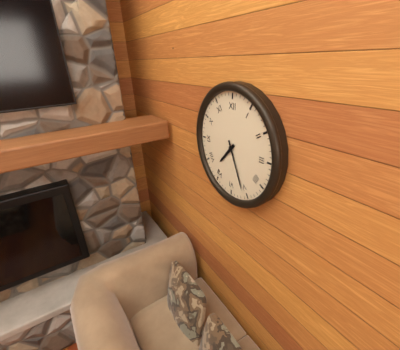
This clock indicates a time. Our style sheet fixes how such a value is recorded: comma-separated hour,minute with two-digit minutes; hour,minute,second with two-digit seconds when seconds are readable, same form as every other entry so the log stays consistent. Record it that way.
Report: 7,26
